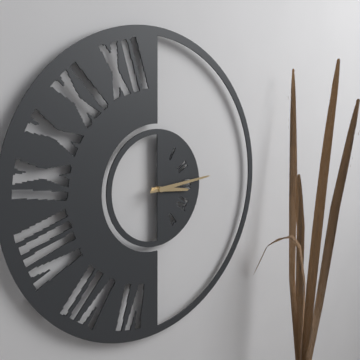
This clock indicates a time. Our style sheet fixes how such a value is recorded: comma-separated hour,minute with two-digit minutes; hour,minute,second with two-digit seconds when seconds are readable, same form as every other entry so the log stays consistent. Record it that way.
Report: 3,14
